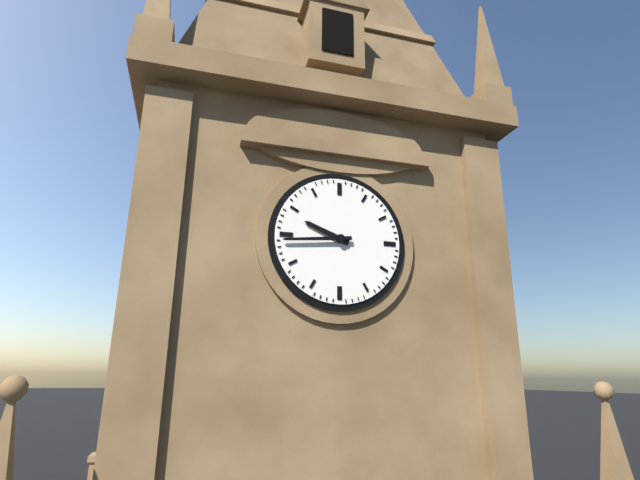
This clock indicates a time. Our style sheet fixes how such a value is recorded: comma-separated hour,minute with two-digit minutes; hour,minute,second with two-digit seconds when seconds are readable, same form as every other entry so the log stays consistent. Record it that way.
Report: 9,44
